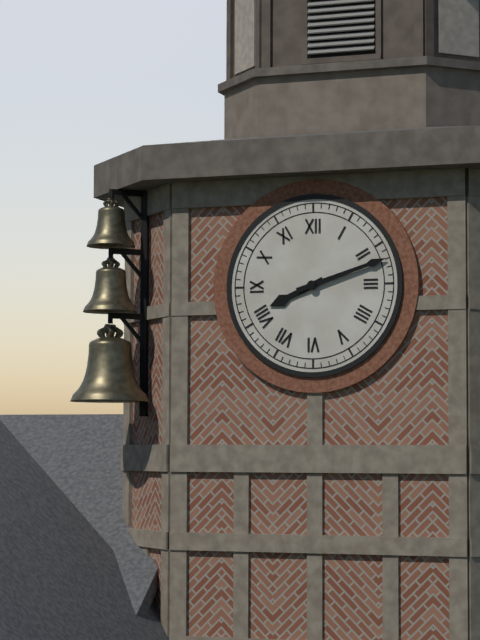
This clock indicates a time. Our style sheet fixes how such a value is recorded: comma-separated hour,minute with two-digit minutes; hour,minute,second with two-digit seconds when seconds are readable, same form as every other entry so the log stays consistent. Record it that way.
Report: 8,12
